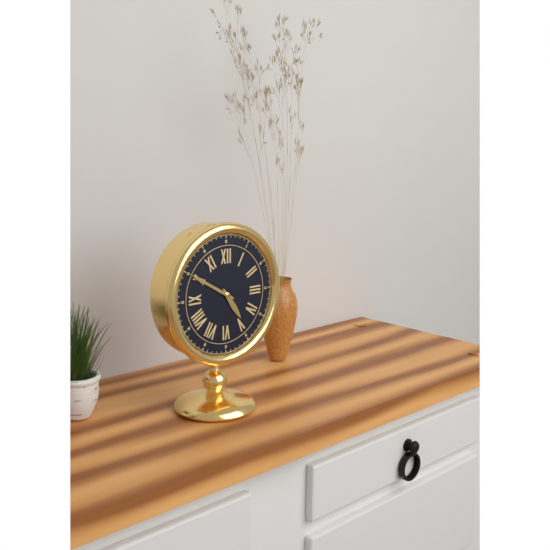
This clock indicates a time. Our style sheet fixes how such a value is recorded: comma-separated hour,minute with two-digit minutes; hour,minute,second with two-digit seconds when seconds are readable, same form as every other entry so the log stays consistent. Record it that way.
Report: 4,50
